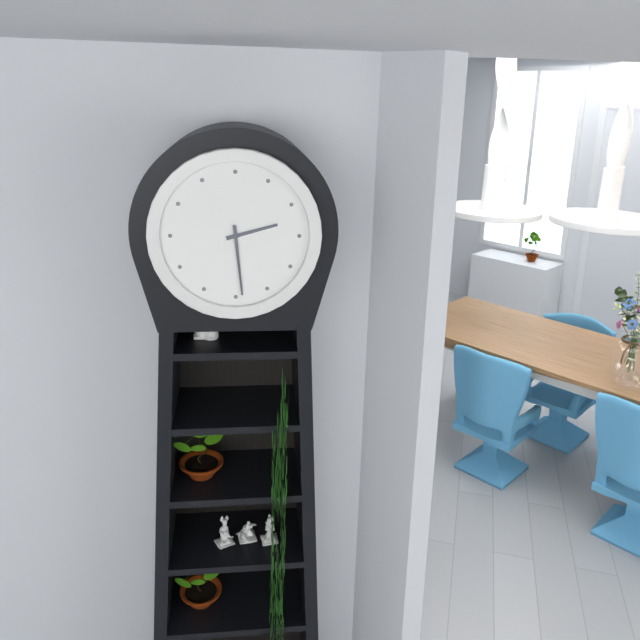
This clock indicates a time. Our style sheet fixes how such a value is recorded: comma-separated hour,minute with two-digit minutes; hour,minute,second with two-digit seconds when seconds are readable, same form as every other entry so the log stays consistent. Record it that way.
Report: 2,29
